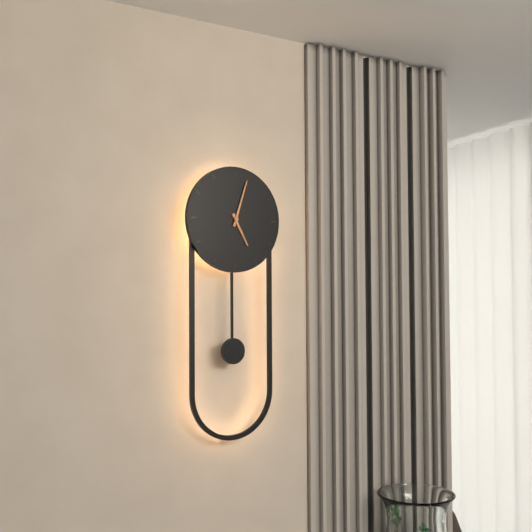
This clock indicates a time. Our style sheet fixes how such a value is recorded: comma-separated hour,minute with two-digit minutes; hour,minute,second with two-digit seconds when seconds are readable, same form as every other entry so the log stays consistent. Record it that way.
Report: 5,03
